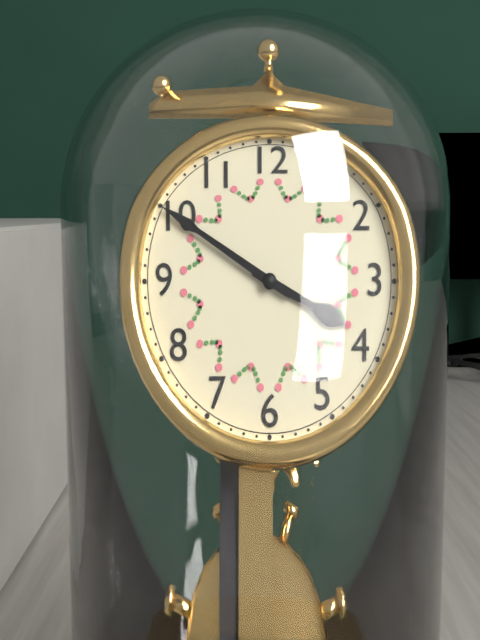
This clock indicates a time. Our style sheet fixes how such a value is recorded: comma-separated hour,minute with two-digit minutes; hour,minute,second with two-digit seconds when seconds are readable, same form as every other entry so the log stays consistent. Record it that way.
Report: 3,50
